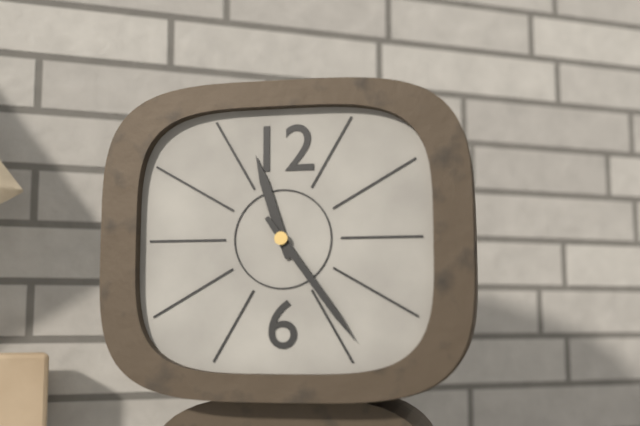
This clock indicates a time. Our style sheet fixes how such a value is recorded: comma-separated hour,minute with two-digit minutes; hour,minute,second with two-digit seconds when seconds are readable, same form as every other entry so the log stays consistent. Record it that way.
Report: 11,24
